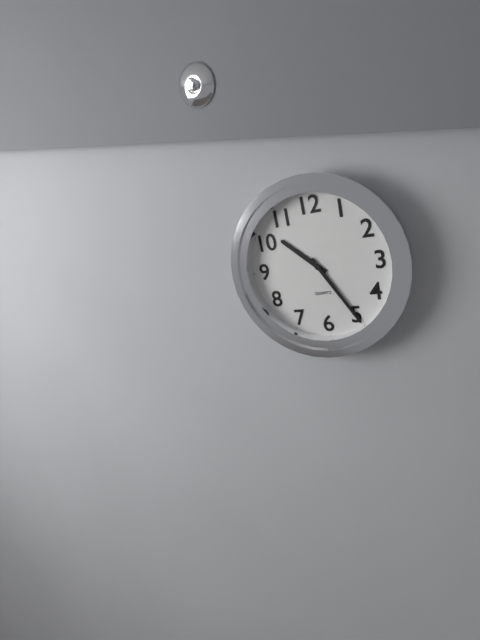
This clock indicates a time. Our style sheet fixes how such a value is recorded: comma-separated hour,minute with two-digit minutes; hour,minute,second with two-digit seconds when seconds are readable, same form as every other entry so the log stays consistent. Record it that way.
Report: 10,25
